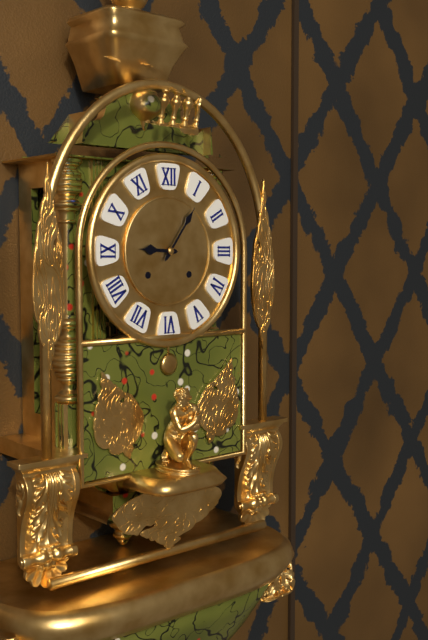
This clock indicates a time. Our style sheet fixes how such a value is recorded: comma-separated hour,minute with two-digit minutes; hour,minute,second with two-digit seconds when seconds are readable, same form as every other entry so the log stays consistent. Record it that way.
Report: 9,06
